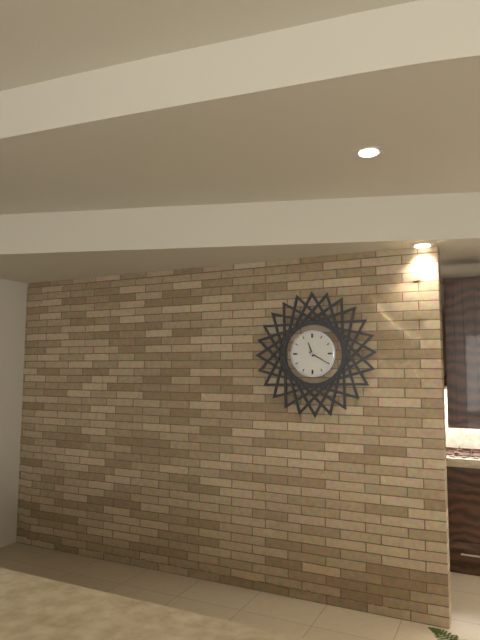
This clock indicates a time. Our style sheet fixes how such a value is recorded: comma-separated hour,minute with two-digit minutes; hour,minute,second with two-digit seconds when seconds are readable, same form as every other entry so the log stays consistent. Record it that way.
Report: 11,20
